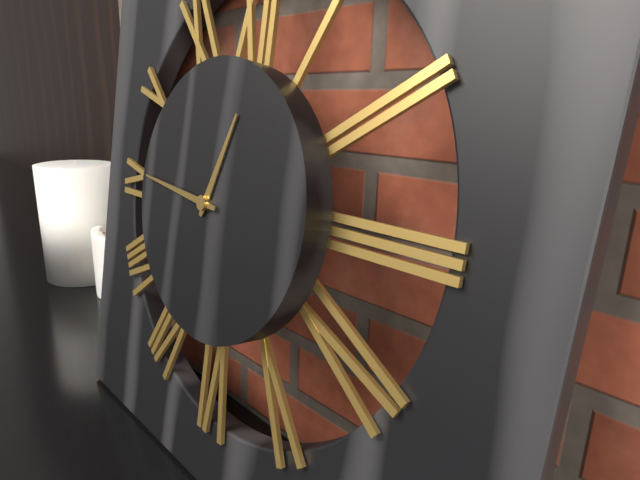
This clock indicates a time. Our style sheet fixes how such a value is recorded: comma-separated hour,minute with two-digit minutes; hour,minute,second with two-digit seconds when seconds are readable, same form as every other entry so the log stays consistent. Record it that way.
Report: 12,46
